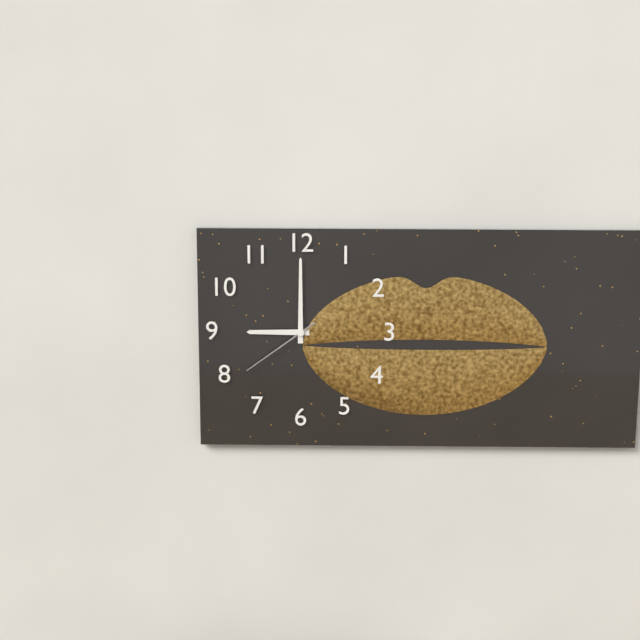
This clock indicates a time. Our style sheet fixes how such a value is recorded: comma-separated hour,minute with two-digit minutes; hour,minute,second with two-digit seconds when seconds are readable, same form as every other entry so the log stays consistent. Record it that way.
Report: 9,00,39
